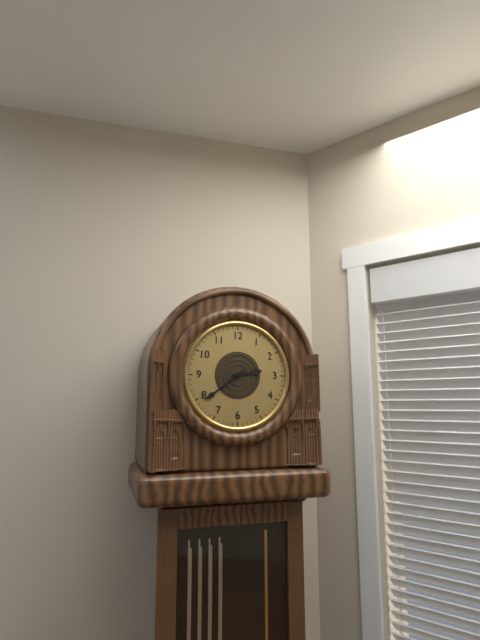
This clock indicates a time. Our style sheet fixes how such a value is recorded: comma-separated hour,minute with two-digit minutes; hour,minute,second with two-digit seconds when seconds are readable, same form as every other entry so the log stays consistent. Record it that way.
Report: 2,39
